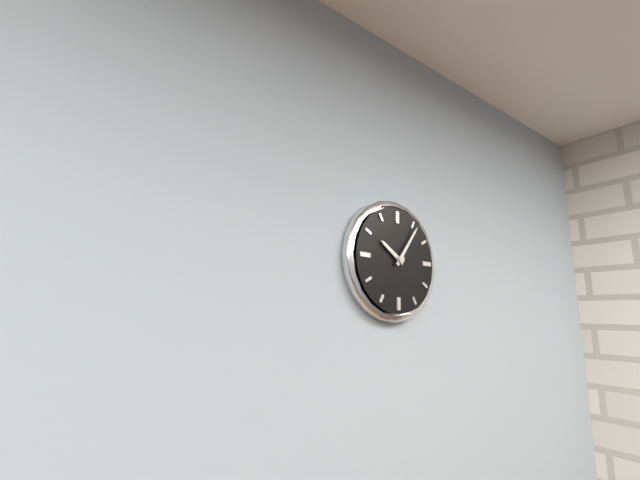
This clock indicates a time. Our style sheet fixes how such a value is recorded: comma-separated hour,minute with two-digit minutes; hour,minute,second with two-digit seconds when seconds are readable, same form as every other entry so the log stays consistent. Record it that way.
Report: 10,06
